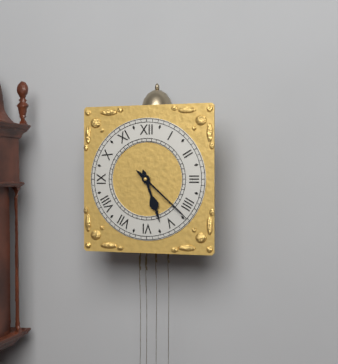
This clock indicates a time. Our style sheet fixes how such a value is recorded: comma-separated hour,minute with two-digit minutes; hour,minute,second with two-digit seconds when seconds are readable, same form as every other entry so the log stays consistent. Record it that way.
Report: 5,22
